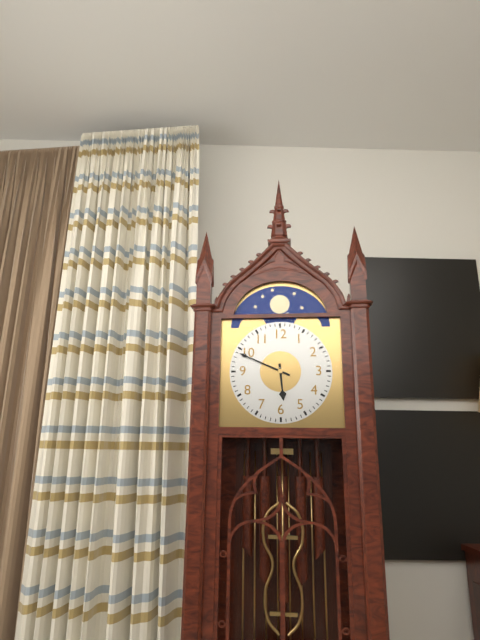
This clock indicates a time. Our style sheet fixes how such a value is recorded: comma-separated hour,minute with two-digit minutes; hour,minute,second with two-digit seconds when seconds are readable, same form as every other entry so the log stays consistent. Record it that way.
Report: 5,49
